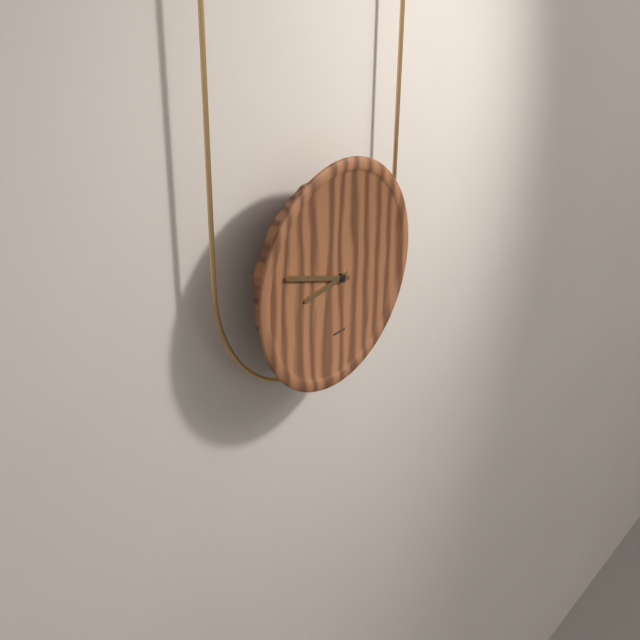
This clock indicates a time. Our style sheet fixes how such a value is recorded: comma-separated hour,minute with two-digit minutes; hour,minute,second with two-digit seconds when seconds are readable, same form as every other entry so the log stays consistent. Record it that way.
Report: 8,48
